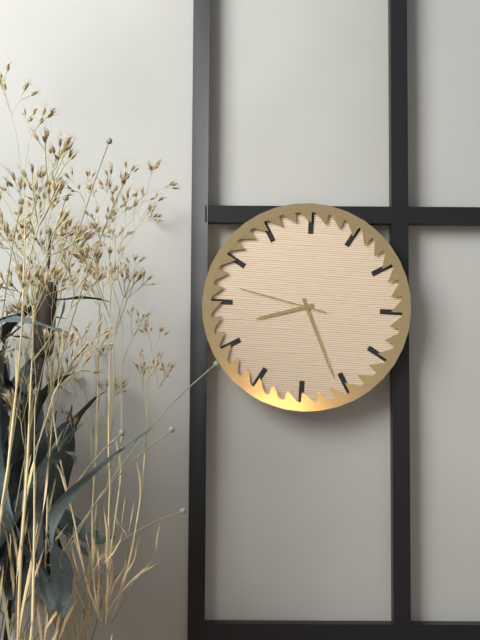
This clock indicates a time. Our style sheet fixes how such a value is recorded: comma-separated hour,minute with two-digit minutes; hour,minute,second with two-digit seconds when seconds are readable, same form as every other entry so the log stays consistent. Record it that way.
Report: 8,26,47
